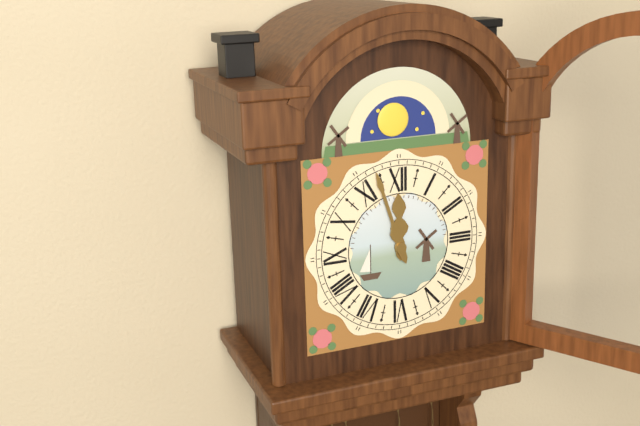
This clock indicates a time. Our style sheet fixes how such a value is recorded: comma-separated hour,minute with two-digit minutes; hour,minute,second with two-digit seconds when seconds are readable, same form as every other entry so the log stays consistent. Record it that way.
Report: 11,57
